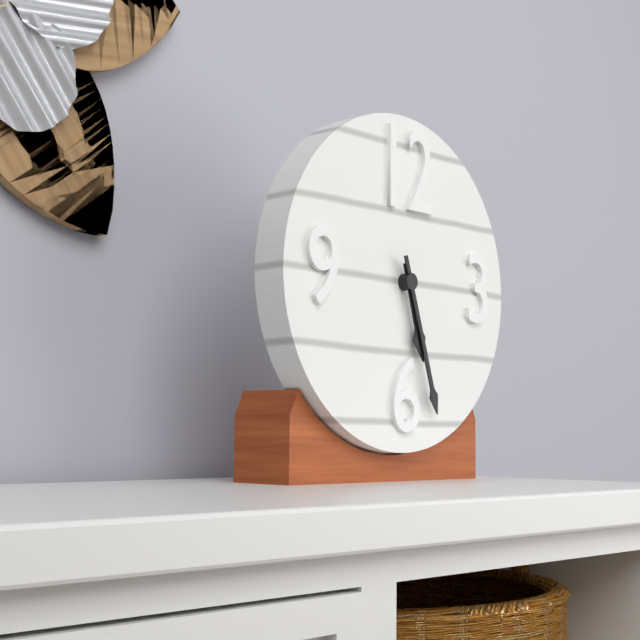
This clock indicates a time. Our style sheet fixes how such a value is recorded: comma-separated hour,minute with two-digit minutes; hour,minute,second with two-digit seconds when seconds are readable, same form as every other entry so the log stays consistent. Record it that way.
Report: 5,27
